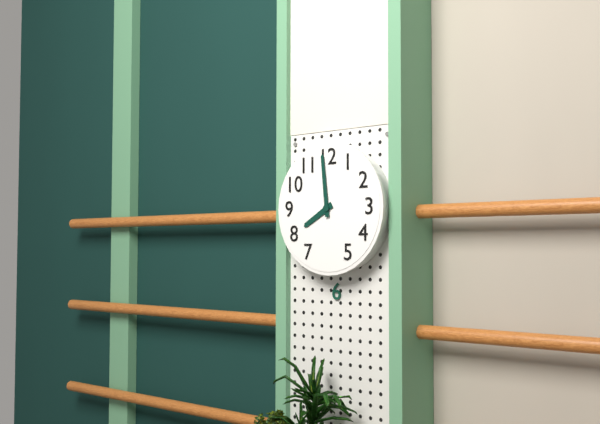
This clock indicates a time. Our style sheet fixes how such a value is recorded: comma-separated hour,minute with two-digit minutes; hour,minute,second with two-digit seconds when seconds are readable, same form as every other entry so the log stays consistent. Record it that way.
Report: 7,59
